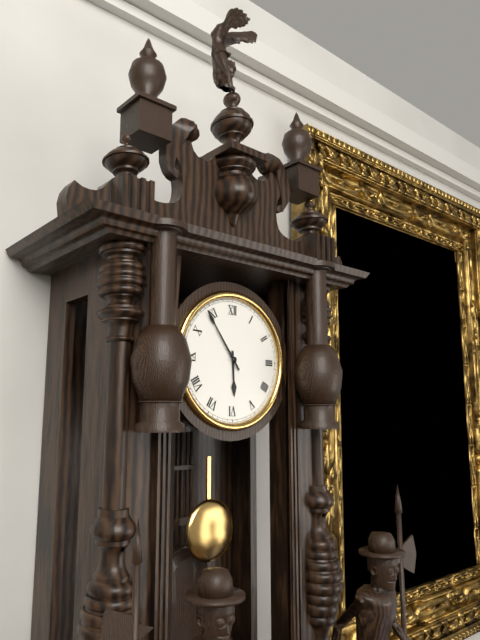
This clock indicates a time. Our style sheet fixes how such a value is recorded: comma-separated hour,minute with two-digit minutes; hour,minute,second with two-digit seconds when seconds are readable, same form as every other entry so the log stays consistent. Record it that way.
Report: 5,54
